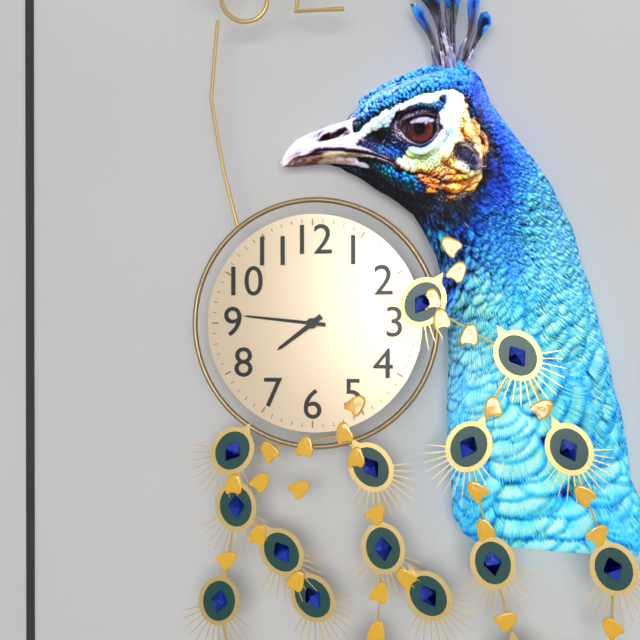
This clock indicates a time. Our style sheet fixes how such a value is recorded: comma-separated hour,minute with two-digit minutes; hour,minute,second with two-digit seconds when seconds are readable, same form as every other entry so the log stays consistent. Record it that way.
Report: 7,46
